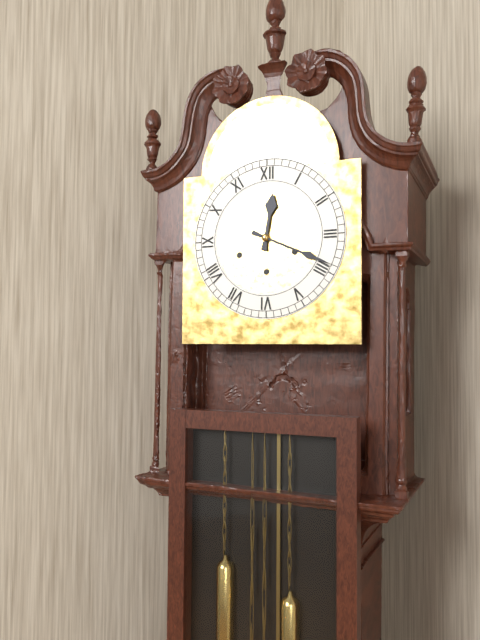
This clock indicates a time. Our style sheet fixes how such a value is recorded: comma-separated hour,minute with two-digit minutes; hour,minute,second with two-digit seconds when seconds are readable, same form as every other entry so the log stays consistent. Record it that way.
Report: 12,19
